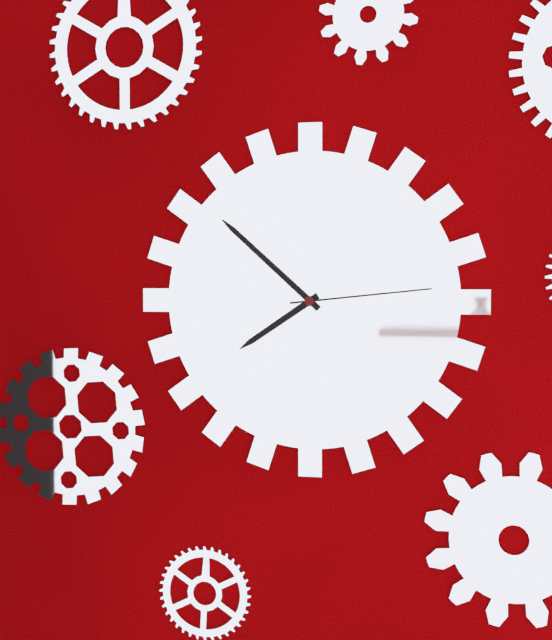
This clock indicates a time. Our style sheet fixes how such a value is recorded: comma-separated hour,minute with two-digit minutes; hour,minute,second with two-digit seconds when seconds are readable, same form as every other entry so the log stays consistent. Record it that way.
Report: 7,52,14
